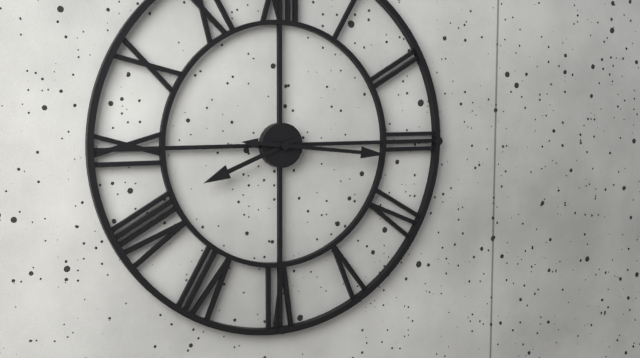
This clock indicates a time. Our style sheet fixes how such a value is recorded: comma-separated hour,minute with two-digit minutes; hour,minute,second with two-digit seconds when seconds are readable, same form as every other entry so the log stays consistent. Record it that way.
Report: 8,16
